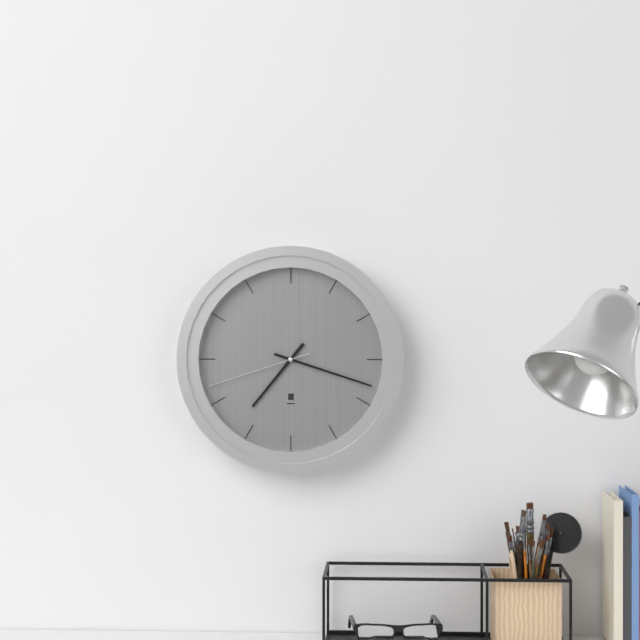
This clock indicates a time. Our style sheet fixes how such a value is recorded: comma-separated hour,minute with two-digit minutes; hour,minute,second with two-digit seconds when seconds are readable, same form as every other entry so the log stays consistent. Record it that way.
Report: 7,18,42
